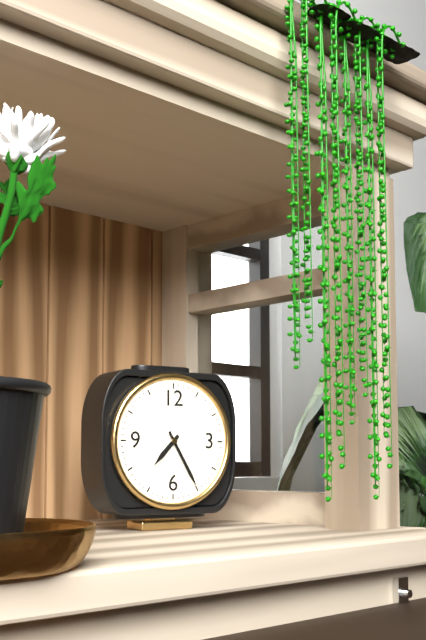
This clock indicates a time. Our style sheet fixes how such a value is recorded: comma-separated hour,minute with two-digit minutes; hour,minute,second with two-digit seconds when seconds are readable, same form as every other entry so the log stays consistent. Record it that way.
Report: 7,25
